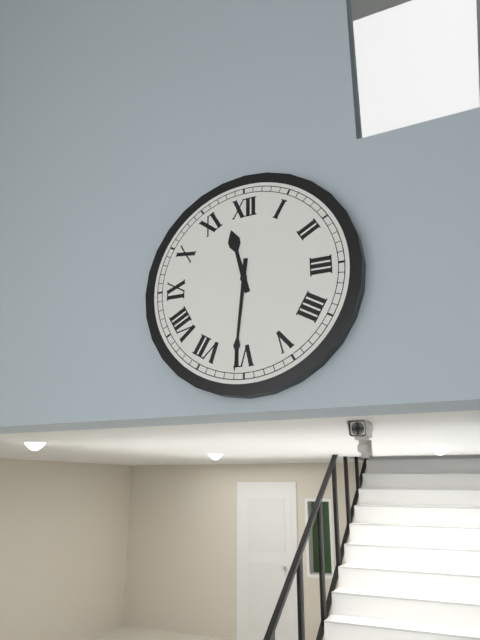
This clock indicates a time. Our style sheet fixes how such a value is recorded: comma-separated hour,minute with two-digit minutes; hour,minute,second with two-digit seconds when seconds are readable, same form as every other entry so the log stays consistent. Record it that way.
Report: 11,31
